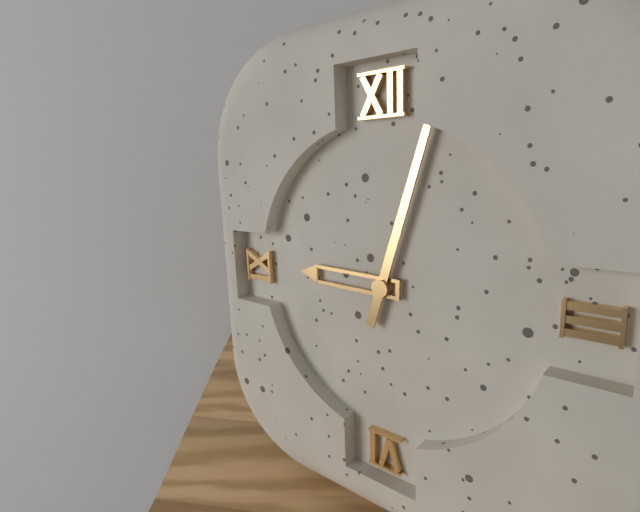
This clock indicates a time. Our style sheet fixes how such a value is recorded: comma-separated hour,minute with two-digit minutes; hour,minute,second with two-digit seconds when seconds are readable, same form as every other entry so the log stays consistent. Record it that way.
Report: 9,03
